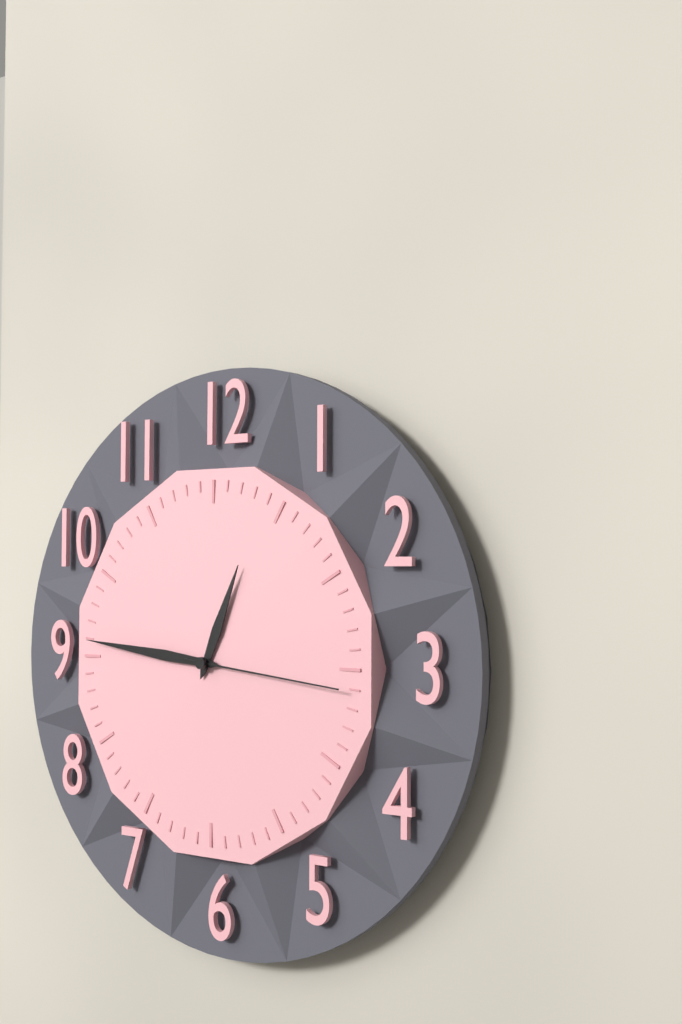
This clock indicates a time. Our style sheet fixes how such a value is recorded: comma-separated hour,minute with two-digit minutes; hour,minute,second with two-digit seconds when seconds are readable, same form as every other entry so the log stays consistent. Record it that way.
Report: 12,46,16
